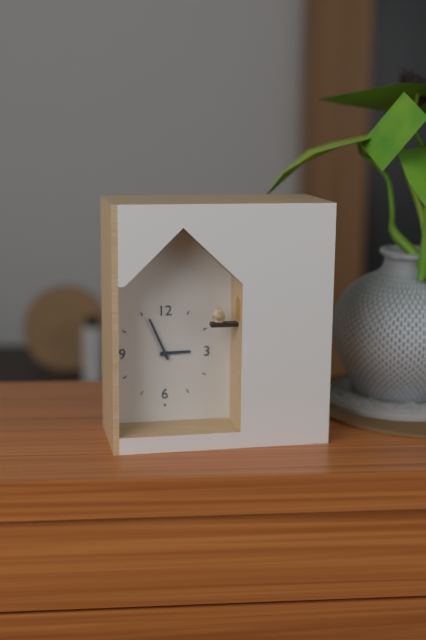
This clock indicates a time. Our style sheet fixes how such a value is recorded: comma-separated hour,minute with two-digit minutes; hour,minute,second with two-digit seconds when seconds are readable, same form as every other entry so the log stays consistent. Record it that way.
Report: 2,56
